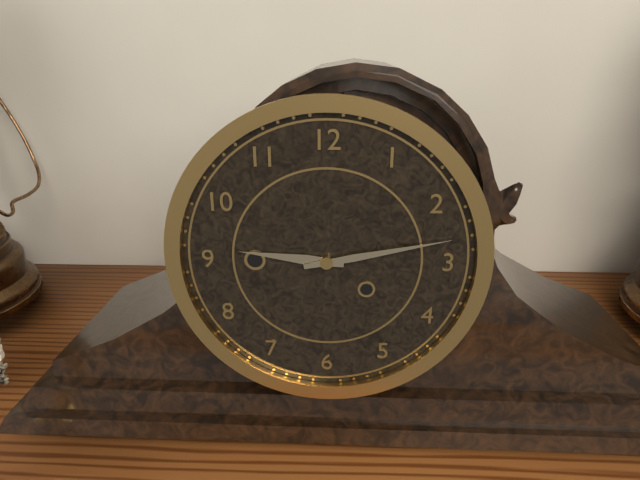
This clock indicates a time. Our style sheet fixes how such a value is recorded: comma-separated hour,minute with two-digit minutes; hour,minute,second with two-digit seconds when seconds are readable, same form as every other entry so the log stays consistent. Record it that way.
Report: 9,13
